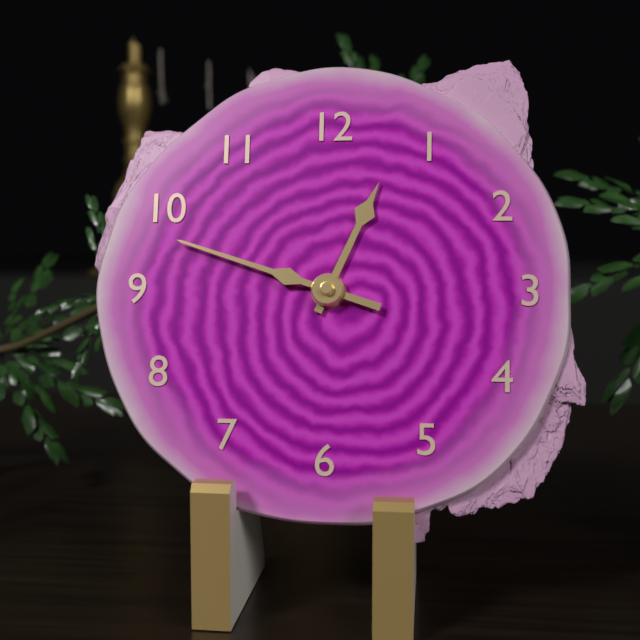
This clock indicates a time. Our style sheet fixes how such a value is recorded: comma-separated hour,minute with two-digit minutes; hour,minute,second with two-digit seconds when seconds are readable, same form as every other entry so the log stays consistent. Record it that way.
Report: 12,48
